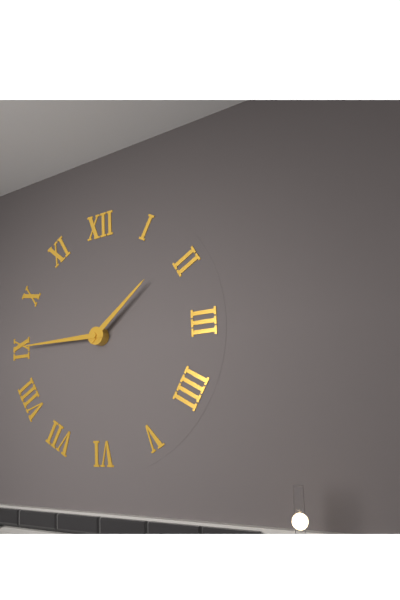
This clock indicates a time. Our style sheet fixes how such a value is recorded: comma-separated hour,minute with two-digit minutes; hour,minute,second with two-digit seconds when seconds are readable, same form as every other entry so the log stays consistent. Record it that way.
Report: 1,45
